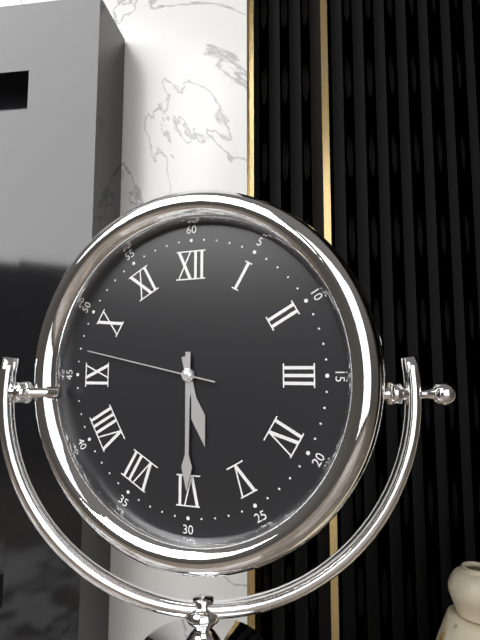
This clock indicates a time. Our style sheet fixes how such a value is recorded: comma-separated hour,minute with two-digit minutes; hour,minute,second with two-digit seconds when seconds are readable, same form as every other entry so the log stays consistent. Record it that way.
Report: 5,30,47
